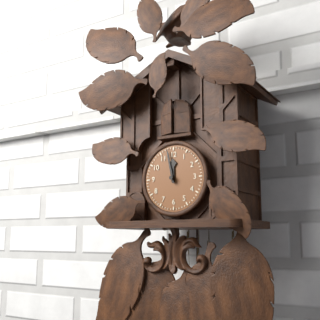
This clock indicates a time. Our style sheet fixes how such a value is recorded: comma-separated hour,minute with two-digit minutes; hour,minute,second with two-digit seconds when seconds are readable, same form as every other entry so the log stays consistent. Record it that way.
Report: 11,58
